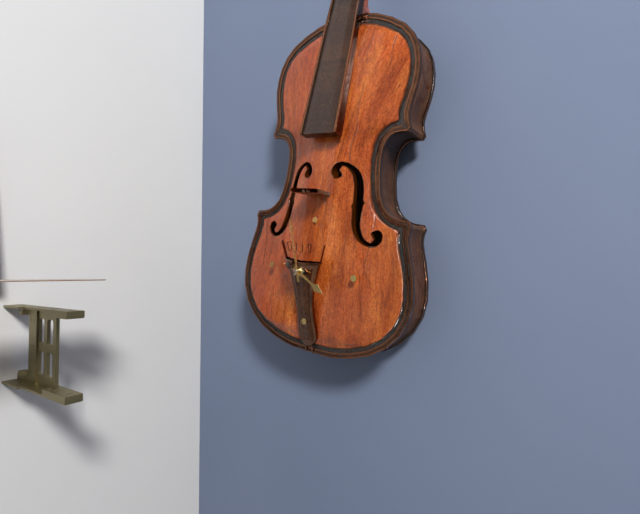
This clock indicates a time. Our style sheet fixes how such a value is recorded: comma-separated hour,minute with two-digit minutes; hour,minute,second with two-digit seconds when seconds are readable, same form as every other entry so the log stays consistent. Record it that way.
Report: 3,57
